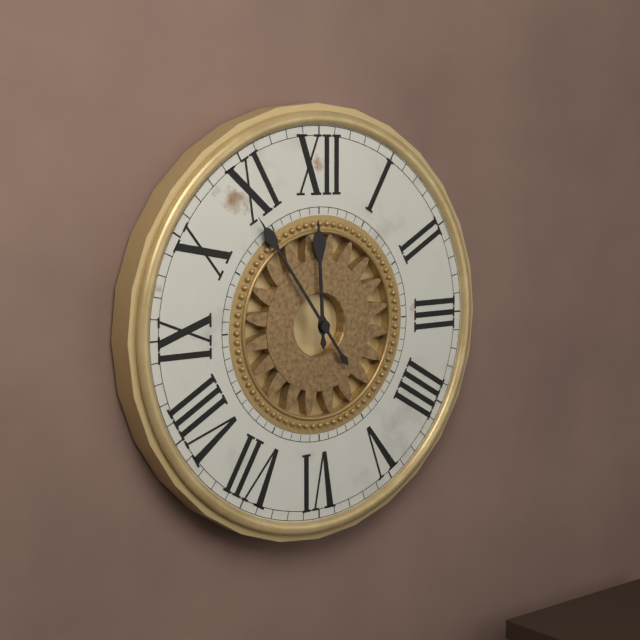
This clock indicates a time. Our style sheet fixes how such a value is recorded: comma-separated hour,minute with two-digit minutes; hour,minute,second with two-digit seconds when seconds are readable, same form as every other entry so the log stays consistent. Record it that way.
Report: 11,54
